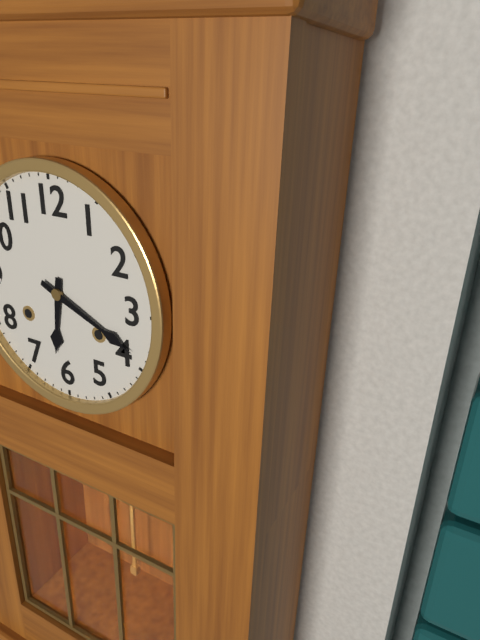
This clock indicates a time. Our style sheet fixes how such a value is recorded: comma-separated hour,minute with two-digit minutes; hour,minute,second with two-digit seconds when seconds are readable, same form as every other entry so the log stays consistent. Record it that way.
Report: 6,19
